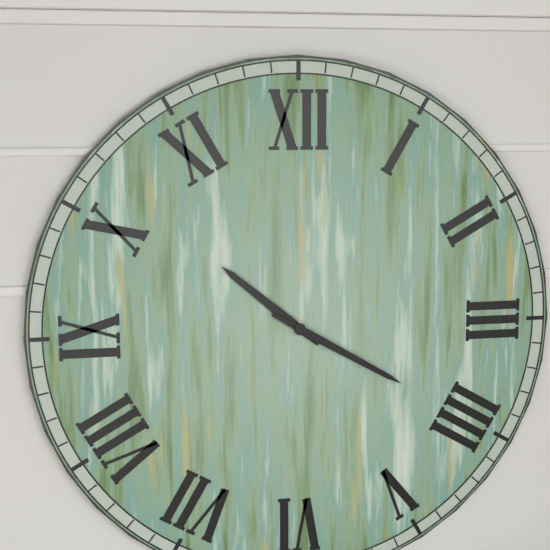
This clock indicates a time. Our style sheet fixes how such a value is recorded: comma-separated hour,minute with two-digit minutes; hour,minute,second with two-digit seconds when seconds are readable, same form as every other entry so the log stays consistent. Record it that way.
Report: 10,20
